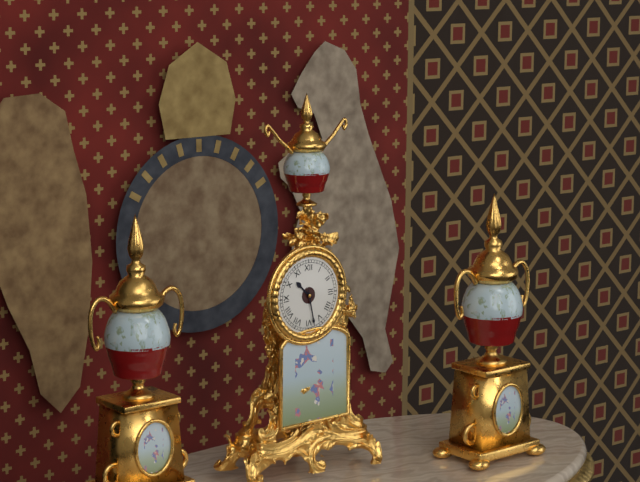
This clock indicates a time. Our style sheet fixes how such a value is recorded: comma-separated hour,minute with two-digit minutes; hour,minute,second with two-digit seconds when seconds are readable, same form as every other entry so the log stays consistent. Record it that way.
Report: 10,28
